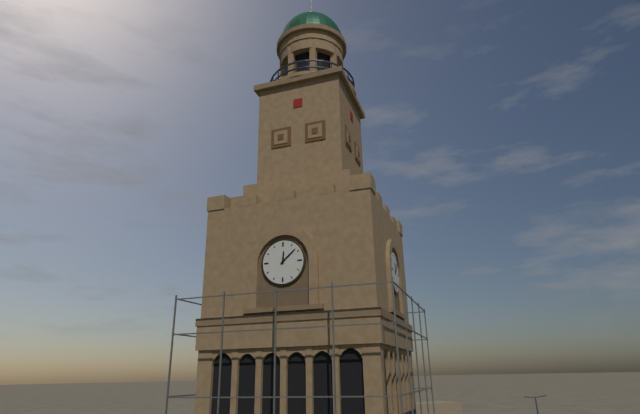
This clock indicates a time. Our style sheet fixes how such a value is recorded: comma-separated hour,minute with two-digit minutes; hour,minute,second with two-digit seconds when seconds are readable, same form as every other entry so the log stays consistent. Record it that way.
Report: 12,08
